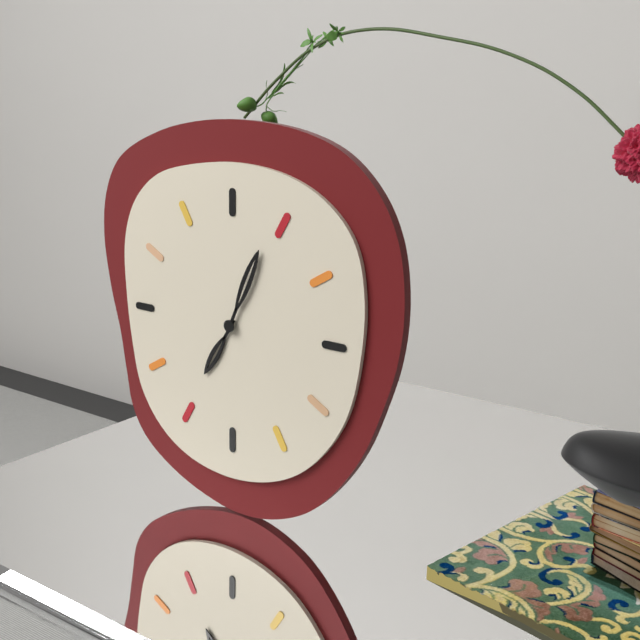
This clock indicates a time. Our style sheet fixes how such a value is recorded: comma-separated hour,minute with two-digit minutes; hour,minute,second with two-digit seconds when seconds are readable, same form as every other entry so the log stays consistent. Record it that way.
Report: 7,04
